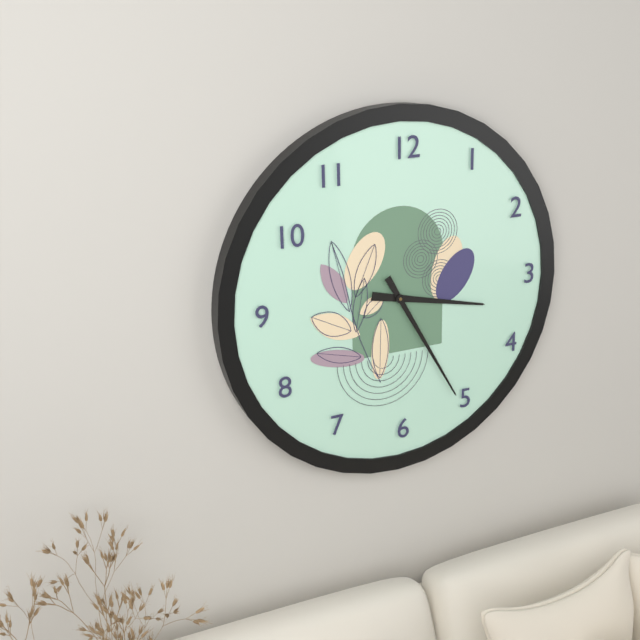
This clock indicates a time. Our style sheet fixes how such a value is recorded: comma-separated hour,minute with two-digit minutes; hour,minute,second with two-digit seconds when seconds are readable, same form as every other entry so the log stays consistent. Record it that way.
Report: 3,25
